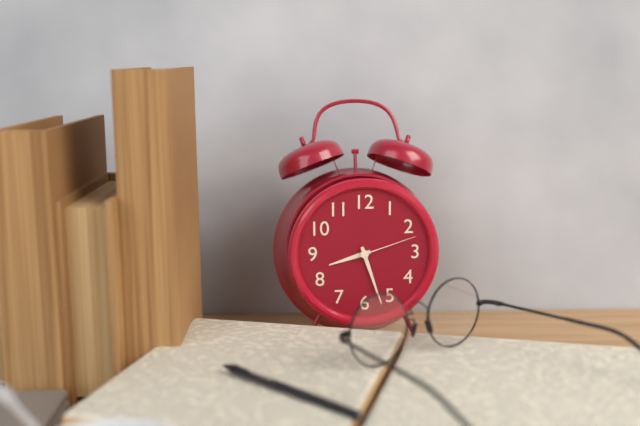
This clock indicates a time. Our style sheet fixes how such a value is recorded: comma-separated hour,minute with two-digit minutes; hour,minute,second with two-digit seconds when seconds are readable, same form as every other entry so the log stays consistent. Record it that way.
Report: 8,27,12
